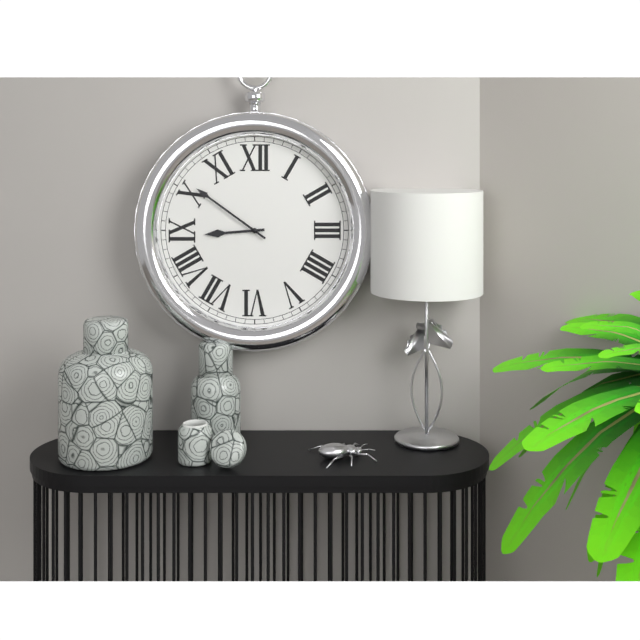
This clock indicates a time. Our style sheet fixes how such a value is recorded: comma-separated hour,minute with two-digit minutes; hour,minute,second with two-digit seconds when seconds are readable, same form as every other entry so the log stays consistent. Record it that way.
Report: 8,51
